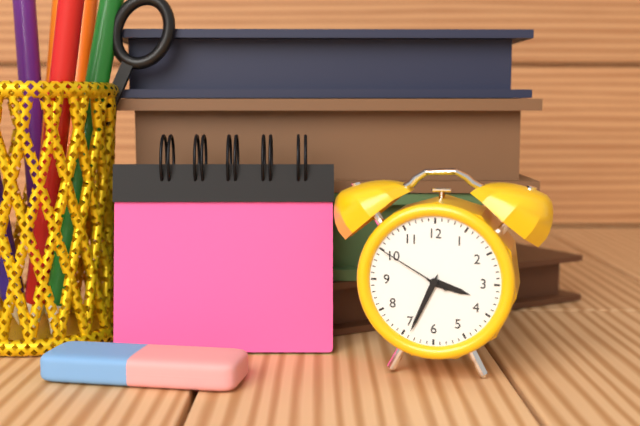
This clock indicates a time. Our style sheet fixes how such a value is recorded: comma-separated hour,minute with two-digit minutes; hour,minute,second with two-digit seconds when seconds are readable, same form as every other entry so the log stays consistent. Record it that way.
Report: 3,34,50
